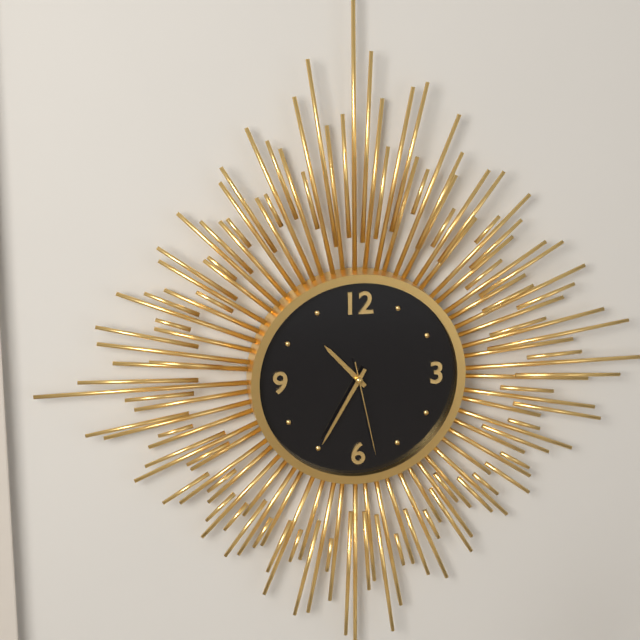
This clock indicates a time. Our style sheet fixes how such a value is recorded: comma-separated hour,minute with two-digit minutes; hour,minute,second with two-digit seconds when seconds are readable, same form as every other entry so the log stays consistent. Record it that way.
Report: 10,35,28
